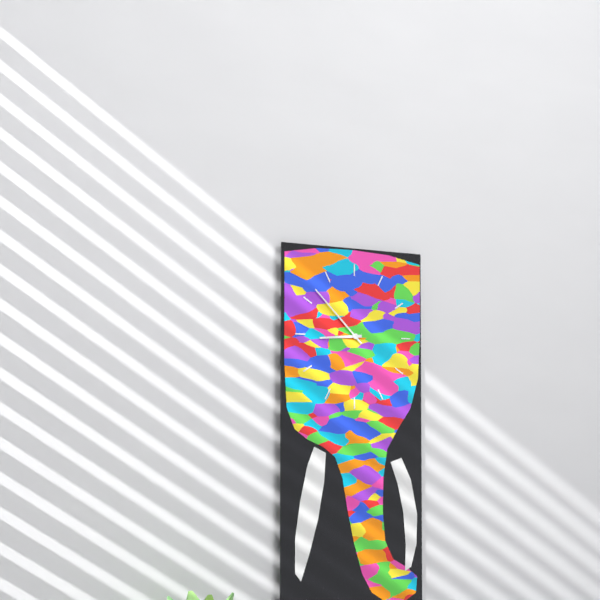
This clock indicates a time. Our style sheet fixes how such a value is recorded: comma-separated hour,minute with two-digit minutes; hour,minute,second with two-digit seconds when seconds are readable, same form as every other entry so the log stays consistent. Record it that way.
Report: 8,52
